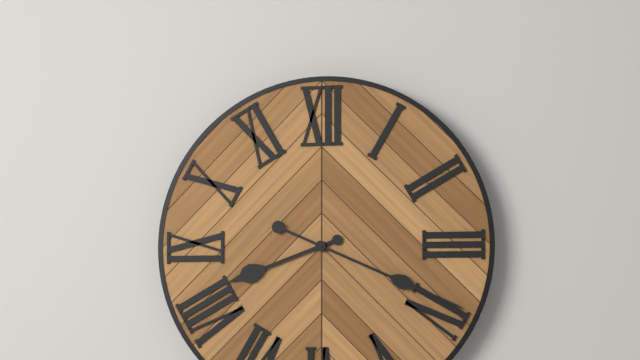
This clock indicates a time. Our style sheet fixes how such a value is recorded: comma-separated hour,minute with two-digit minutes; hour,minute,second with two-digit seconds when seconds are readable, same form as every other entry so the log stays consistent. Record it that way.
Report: 8,19
